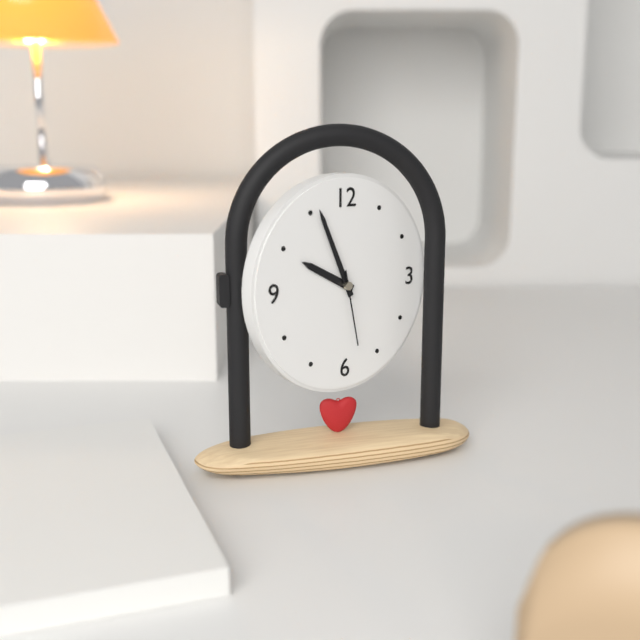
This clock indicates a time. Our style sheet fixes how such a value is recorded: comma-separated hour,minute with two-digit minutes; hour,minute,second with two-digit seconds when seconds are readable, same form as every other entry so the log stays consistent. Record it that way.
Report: 9,56,28
